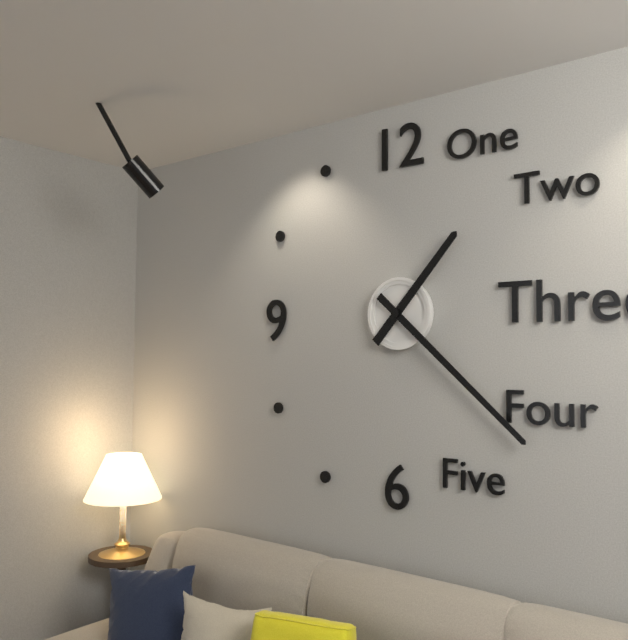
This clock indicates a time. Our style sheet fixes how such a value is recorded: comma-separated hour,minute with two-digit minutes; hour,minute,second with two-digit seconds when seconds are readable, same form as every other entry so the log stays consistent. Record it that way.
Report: 1,22
